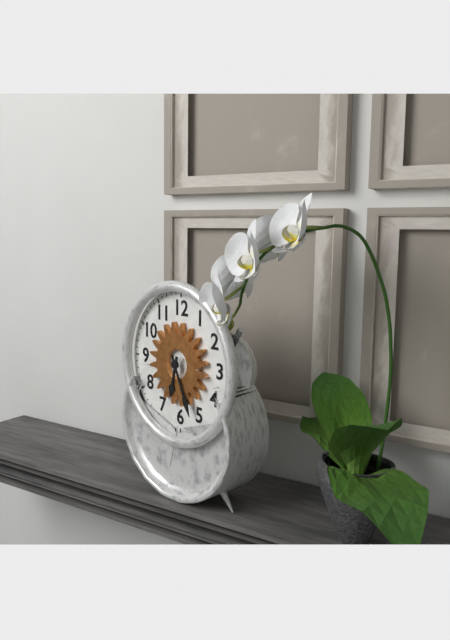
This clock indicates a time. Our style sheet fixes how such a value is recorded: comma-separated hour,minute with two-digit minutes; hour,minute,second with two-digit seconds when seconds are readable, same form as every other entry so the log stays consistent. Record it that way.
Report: 6,26
